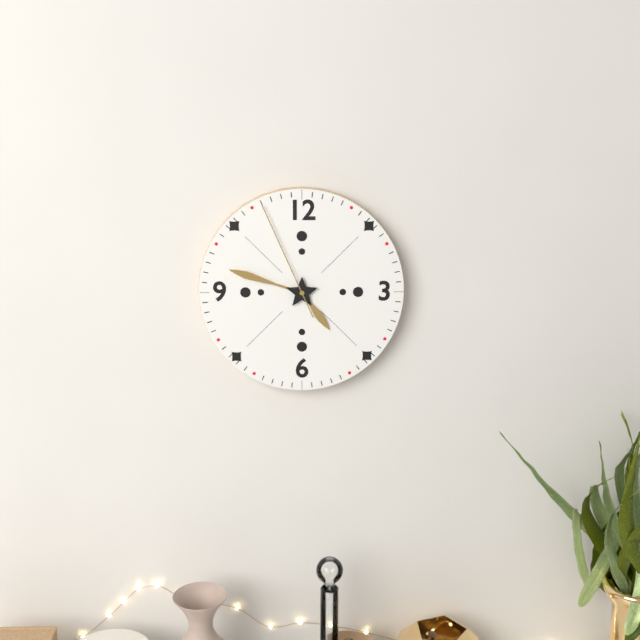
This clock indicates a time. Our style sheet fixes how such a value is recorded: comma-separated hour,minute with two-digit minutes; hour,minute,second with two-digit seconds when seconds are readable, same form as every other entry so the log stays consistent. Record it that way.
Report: 4,48,56
